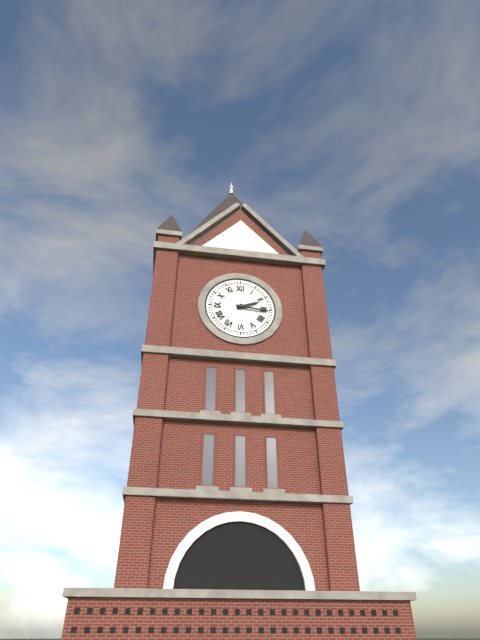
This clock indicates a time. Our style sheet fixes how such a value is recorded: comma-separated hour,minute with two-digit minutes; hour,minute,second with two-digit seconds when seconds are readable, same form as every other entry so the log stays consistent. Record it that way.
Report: 2,16
